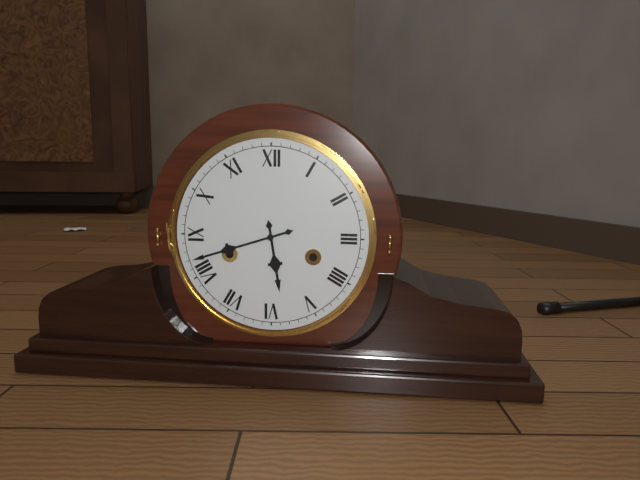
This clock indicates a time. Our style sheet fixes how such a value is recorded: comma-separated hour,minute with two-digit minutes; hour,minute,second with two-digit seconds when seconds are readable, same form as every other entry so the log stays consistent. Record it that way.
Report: 5,42
